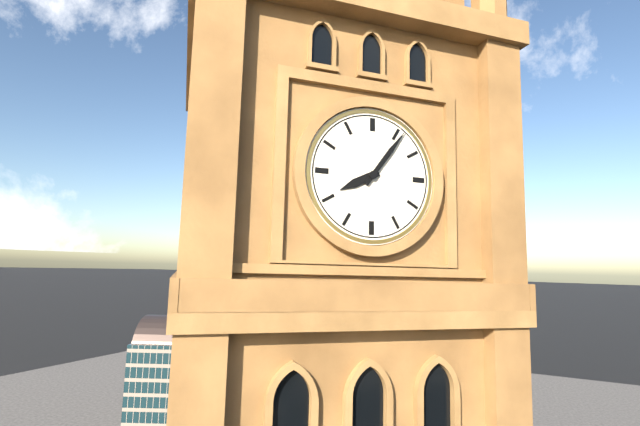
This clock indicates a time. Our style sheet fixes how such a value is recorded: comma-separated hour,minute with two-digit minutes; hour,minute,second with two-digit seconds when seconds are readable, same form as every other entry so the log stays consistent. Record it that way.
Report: 8,06
